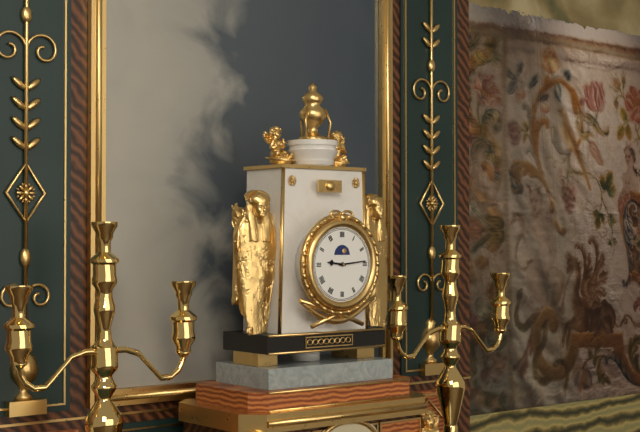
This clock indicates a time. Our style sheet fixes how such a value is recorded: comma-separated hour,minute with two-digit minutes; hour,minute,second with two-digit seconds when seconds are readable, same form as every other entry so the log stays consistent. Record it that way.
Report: 9,14
